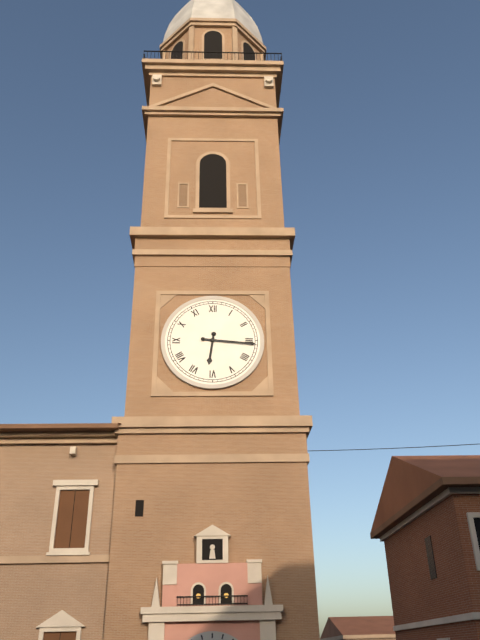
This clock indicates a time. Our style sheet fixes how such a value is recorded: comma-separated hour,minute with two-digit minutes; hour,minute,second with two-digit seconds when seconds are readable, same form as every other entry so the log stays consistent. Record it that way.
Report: 6,16
